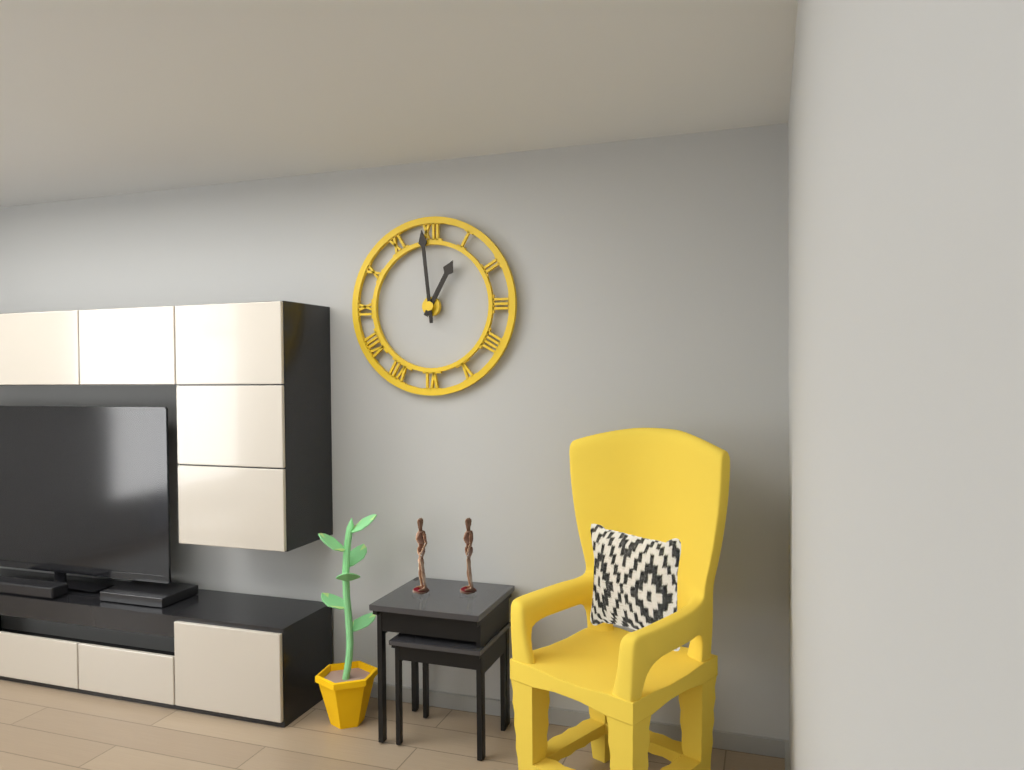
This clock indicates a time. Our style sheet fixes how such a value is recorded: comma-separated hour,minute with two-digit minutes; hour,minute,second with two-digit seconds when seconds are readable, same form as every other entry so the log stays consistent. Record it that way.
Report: 12,59
